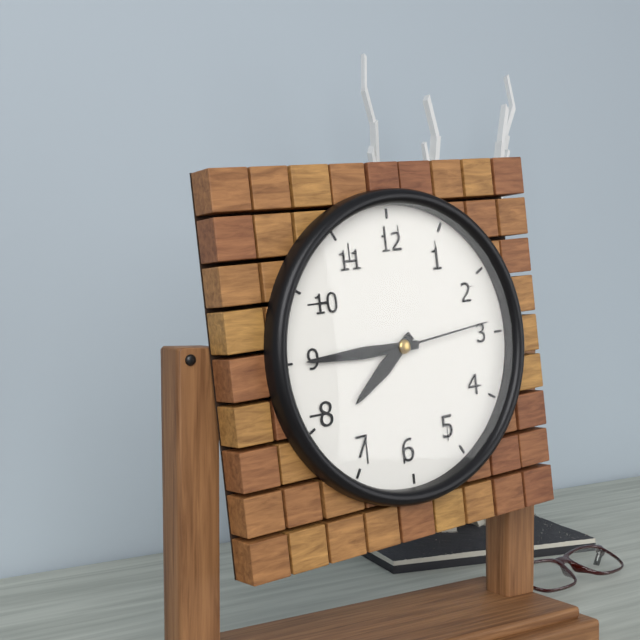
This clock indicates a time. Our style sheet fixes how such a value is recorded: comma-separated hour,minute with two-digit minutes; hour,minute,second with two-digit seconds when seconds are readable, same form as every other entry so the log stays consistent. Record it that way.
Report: 7,45,14
